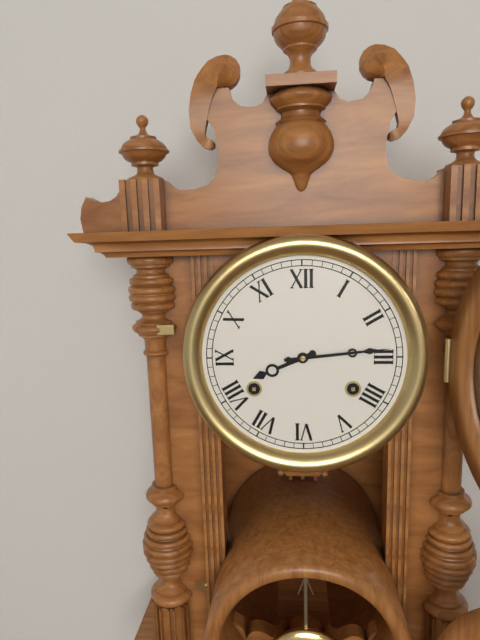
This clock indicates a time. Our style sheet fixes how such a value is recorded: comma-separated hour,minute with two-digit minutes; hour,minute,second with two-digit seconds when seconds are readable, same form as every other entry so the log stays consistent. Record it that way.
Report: 8,14
